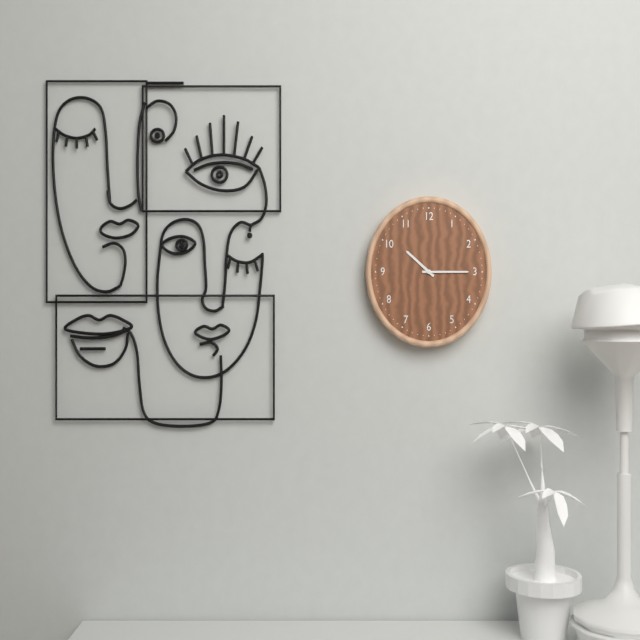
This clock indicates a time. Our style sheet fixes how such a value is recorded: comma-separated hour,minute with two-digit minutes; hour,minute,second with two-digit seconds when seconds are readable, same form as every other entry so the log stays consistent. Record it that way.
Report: 10,15
